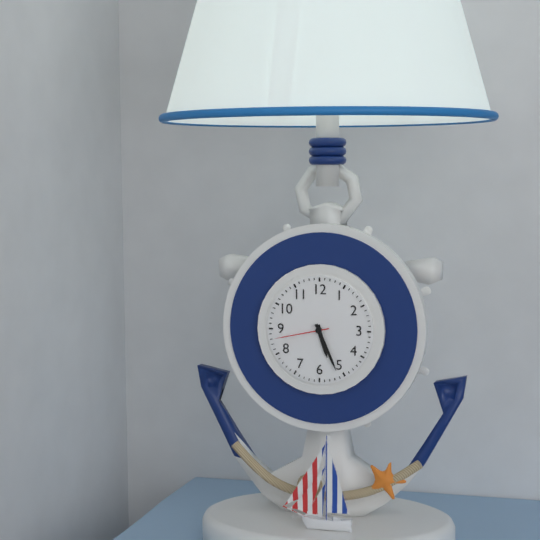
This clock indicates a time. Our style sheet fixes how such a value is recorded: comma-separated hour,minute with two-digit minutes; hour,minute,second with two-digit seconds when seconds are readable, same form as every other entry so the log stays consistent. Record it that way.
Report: 5,26,43
